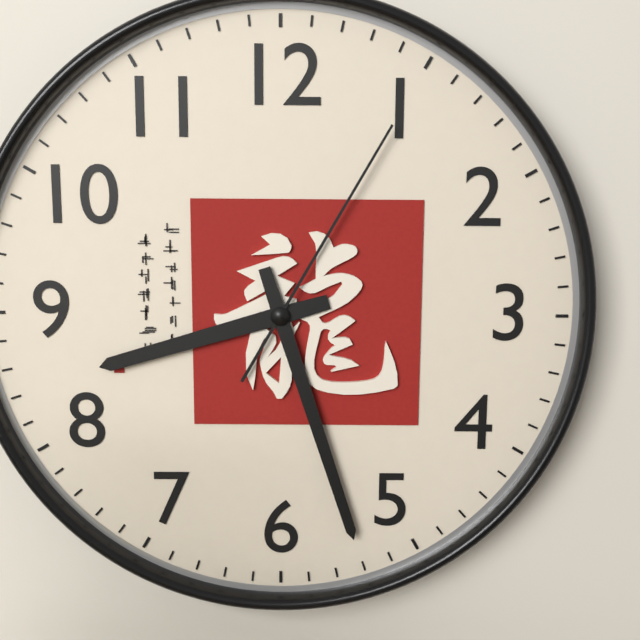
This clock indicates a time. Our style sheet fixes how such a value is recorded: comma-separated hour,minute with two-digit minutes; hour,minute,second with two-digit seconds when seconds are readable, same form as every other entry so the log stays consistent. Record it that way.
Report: 8,27,05
